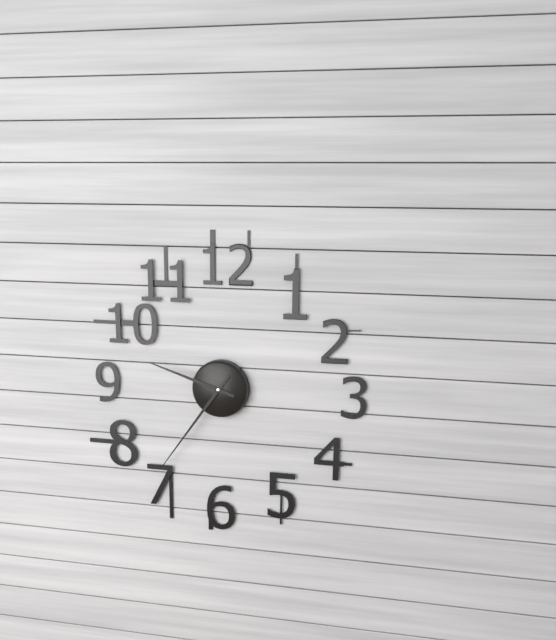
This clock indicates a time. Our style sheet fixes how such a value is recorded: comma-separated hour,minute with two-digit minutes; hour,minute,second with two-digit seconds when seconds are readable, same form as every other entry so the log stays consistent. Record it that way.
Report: 9,36
